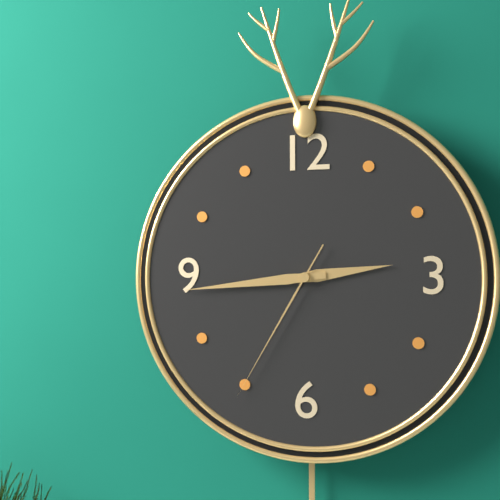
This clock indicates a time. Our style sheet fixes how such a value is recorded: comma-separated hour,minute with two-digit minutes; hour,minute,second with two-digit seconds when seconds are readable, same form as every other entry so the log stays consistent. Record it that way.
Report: 2,44,35
